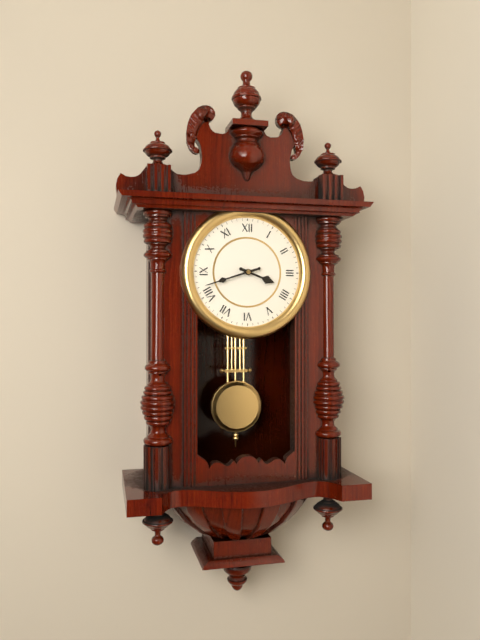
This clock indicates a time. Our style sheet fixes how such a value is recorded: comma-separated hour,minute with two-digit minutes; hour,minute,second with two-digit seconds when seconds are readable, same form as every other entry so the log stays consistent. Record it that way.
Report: 3,42
